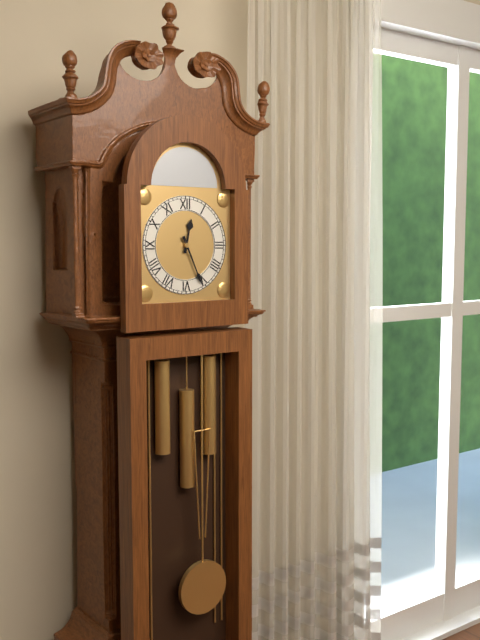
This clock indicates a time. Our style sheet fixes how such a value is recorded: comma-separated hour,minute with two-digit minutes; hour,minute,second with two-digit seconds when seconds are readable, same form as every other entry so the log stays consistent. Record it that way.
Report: 12,26
